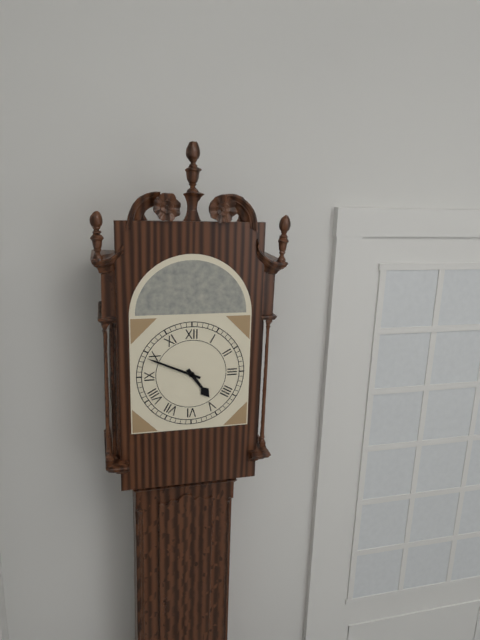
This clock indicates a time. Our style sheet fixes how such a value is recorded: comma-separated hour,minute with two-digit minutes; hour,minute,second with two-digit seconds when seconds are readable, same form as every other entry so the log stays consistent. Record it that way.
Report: 4,49
